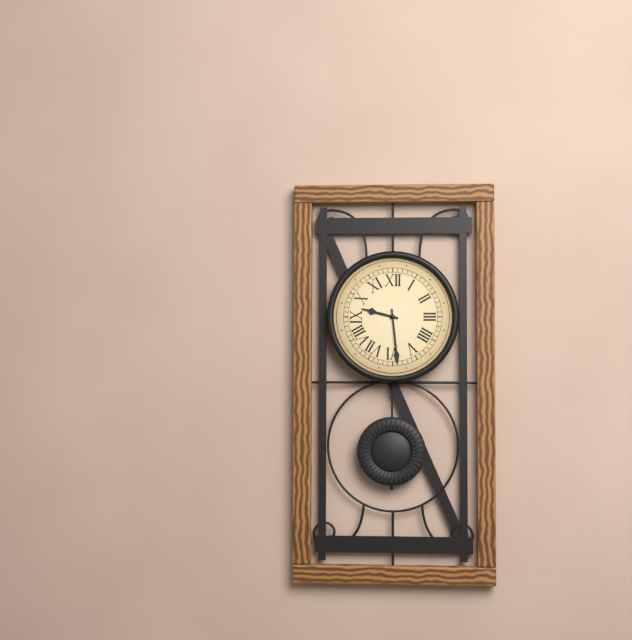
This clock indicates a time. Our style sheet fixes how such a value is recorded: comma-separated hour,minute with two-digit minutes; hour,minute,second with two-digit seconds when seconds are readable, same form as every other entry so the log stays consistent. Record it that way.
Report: 9,29
